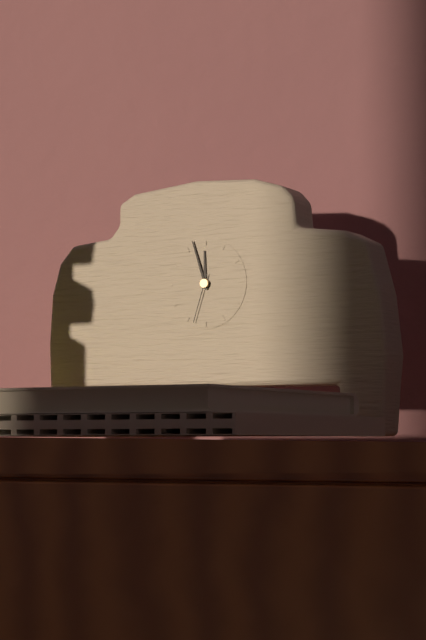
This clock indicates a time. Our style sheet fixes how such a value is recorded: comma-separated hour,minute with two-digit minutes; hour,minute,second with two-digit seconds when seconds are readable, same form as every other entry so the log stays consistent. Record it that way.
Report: 11,57,33
